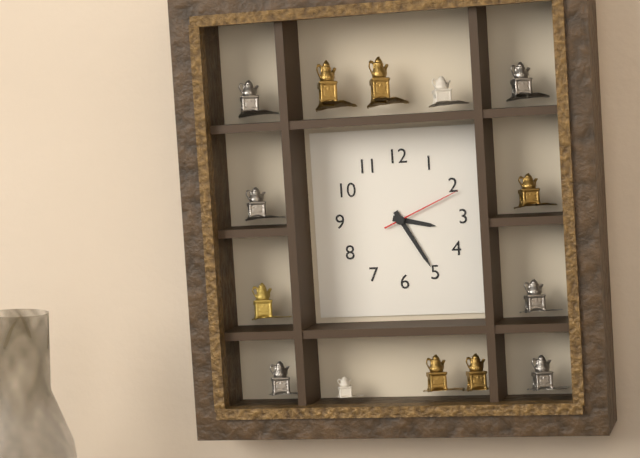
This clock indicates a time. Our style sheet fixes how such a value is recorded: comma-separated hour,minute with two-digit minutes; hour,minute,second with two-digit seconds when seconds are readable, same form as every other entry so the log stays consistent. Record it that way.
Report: 3,25,11
